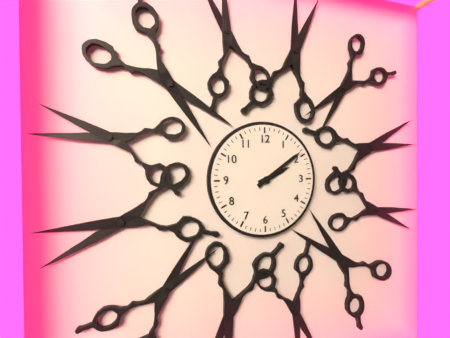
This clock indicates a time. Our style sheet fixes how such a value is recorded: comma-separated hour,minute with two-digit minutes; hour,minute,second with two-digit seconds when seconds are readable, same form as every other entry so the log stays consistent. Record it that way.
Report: 2,09
